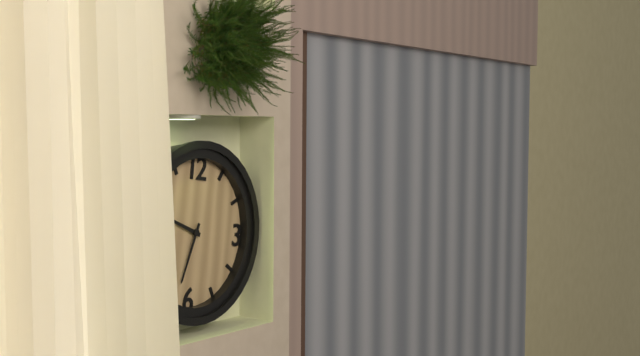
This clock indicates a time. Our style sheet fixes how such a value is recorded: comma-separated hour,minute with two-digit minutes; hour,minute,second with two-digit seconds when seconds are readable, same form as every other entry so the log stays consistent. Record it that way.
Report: 9,33
